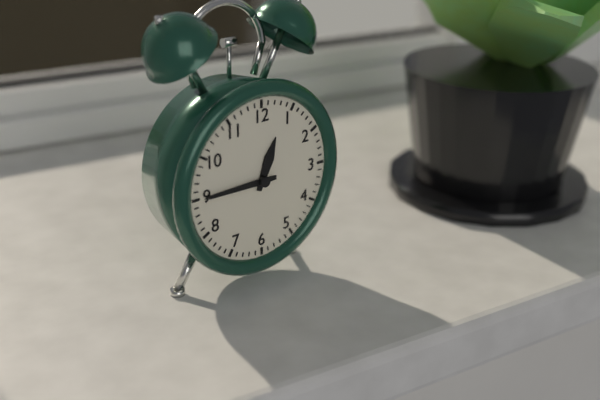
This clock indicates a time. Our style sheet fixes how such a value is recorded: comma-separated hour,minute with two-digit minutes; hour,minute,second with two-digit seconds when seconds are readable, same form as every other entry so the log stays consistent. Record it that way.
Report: 12,45
